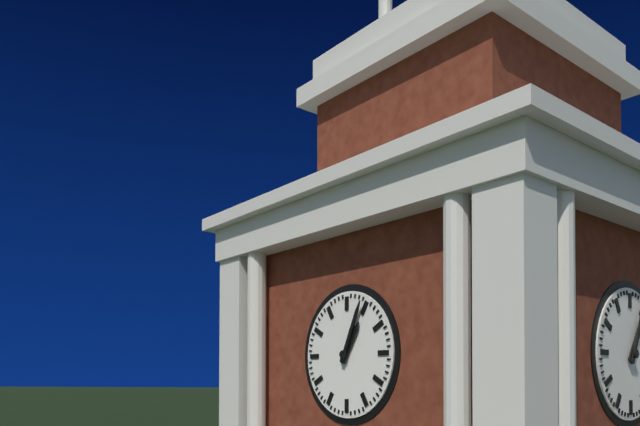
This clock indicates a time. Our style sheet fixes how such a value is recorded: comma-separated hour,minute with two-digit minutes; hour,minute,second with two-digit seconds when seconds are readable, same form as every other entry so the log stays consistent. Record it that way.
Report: 1,04
